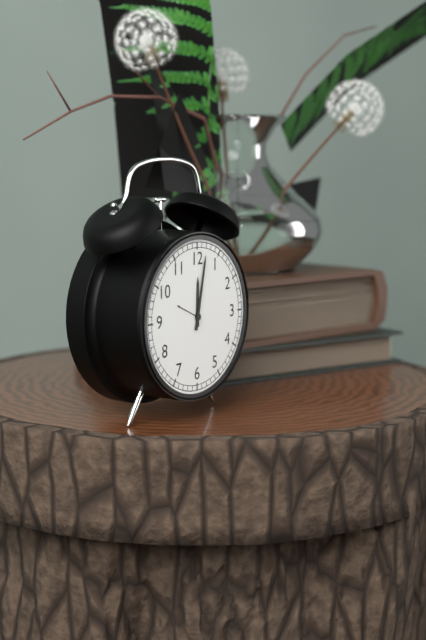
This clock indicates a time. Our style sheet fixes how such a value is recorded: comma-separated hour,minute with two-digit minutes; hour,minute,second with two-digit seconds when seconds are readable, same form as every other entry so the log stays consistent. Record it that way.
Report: 12,02
